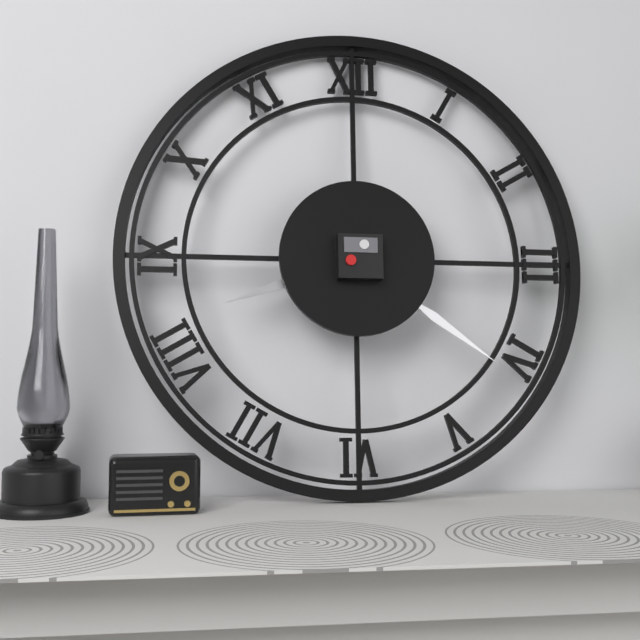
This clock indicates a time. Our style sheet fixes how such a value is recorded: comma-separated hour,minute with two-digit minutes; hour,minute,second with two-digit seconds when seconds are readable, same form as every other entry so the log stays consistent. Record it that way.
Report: 8,21
